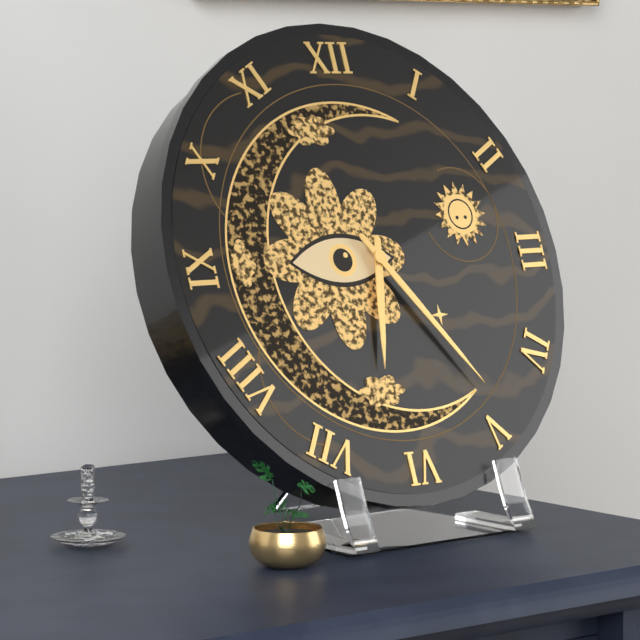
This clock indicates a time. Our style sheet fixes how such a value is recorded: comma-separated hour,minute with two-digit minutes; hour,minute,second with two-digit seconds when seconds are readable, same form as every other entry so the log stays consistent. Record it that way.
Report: 6,24
